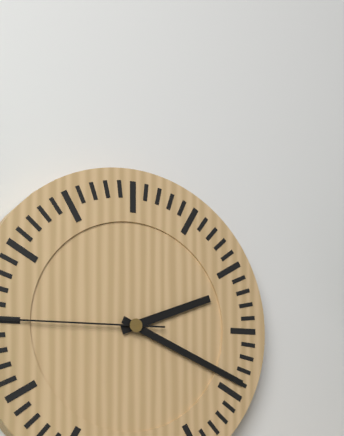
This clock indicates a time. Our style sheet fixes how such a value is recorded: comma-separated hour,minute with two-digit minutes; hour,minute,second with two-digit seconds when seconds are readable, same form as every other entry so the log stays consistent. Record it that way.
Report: 2,19
